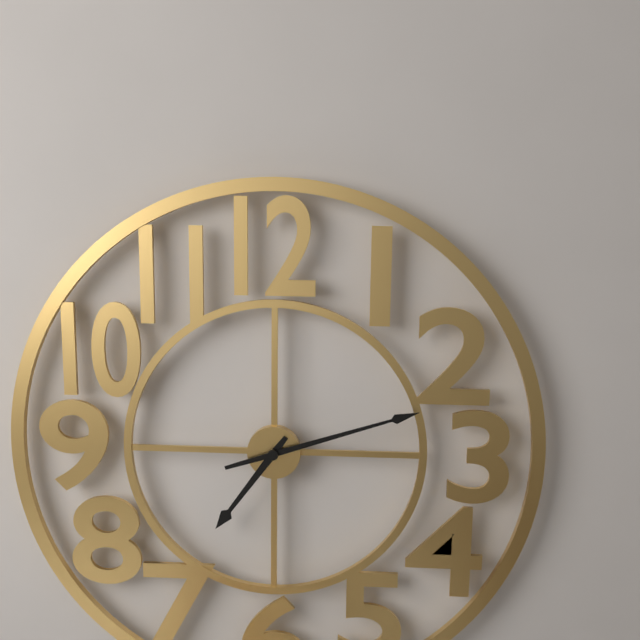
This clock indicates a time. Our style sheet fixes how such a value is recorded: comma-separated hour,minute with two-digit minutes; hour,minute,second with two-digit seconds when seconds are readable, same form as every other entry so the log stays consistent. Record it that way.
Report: 7,12
